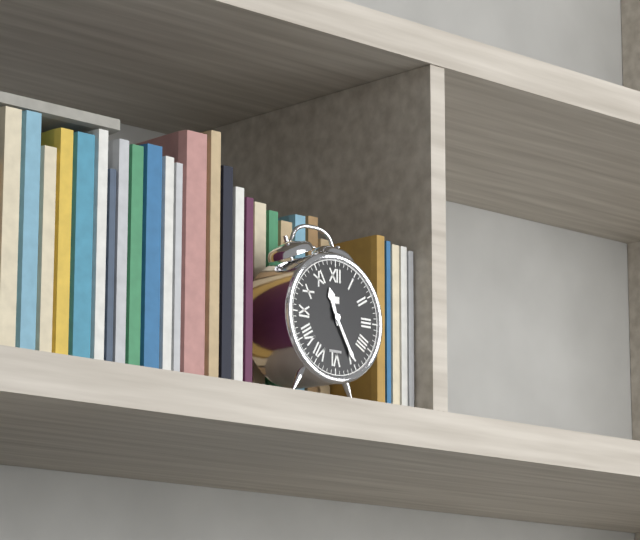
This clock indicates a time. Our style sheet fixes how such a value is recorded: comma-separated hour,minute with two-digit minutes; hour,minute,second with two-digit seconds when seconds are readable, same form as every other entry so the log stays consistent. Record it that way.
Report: 11,25
